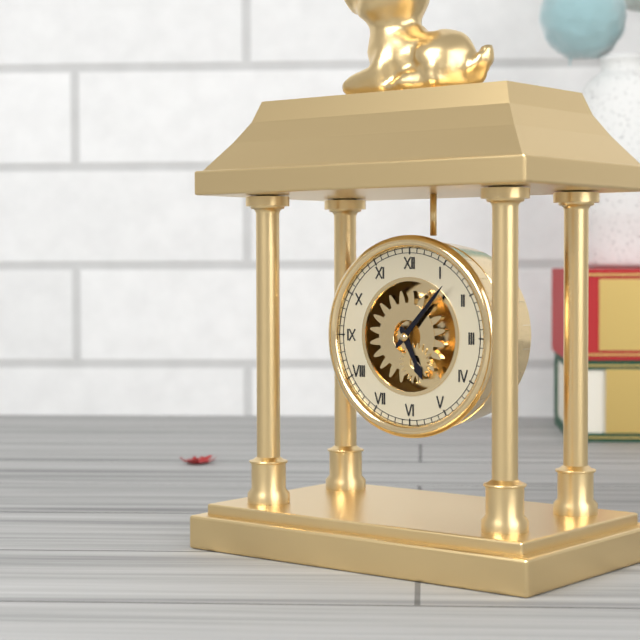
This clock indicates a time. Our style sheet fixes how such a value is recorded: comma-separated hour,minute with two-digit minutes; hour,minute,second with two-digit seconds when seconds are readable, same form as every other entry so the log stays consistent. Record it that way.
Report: 5,07
